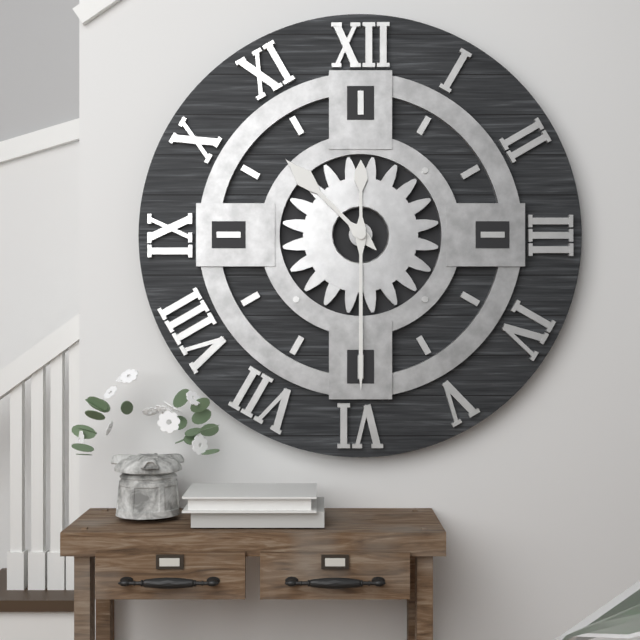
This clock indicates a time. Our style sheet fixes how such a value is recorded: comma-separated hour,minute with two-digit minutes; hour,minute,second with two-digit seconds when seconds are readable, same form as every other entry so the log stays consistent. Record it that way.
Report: 10,30
